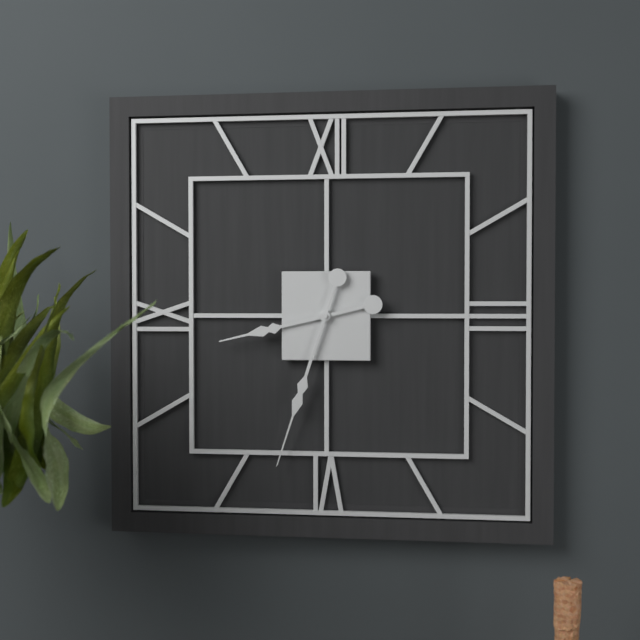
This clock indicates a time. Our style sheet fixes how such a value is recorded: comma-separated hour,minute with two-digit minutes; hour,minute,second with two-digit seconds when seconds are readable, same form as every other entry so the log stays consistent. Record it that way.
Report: 8,33
